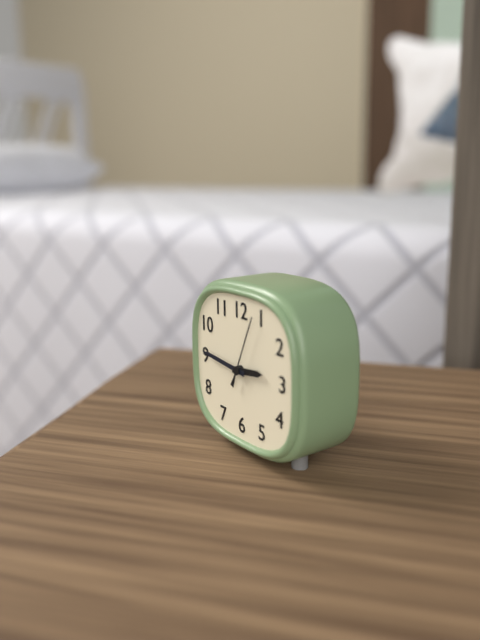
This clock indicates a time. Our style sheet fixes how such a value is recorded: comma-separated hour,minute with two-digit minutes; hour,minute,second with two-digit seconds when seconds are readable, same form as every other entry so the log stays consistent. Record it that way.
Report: 2,46,04
